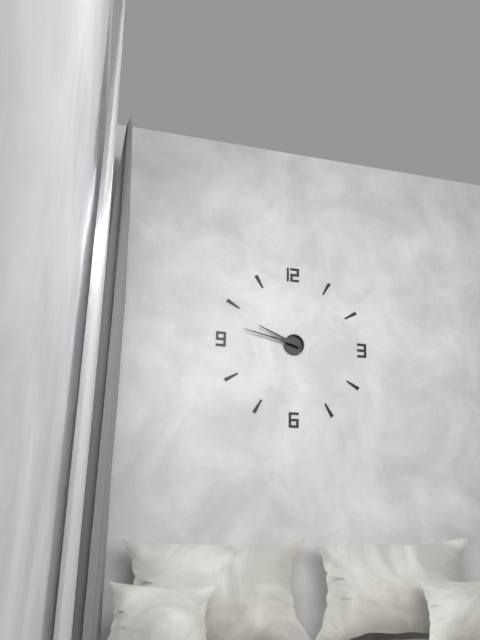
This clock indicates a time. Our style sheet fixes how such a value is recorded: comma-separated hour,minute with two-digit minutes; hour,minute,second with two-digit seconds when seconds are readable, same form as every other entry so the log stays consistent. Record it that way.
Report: 9,47
